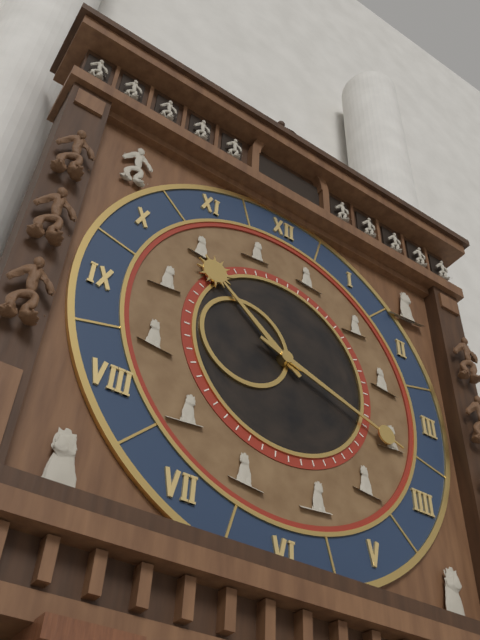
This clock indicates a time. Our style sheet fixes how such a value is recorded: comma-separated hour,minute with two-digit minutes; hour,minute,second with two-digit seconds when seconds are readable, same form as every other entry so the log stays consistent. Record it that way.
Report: 10,18
